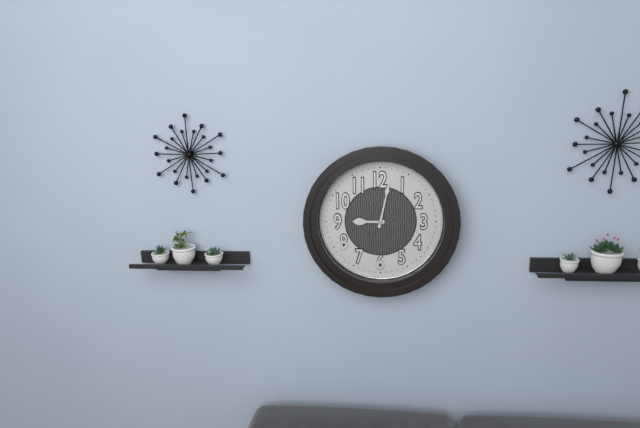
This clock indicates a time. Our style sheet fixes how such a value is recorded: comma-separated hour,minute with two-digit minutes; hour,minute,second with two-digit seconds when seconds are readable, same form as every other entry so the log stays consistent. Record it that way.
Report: 9,02
